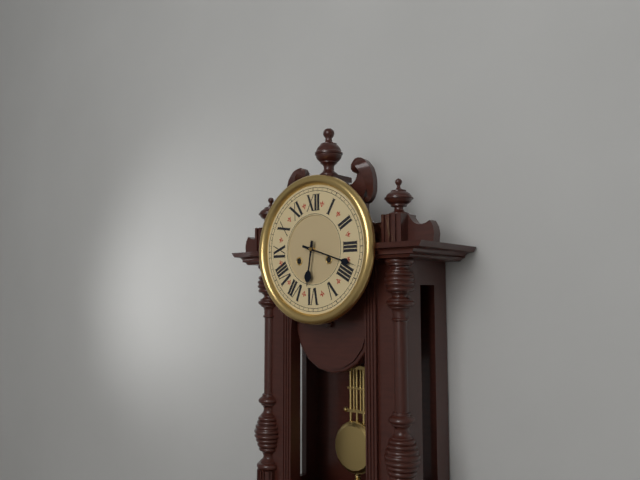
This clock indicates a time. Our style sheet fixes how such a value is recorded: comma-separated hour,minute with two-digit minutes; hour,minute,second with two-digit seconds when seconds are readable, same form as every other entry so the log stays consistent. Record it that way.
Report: 6,18
